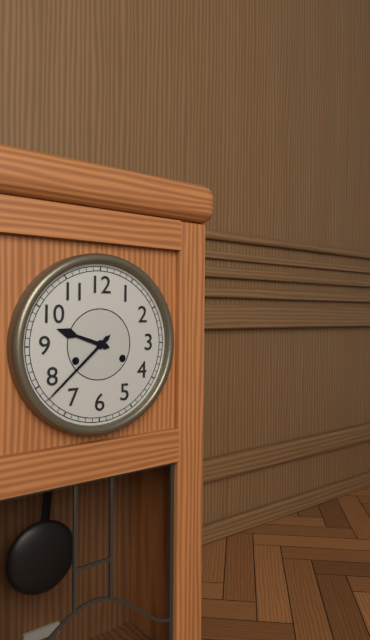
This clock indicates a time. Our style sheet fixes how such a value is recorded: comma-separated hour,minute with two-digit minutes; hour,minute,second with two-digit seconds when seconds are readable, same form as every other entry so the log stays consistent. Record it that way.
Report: 9,38
